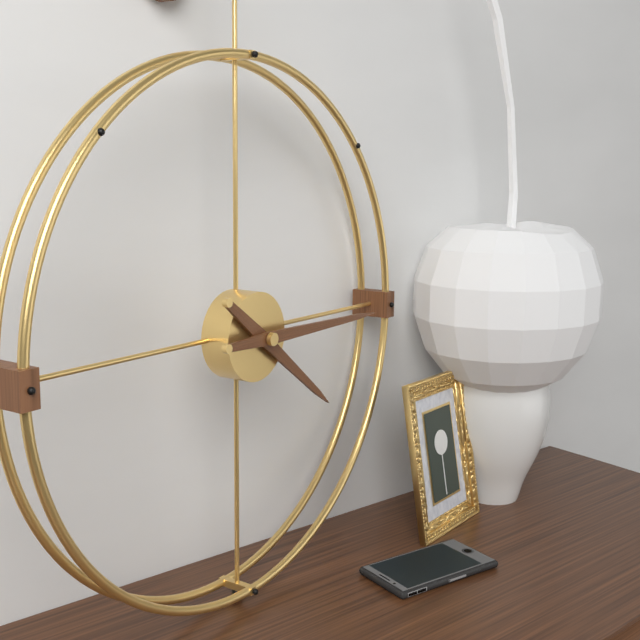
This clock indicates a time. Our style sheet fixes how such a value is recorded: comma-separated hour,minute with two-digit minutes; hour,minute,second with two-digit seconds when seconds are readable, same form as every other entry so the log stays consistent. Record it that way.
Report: 4,15
